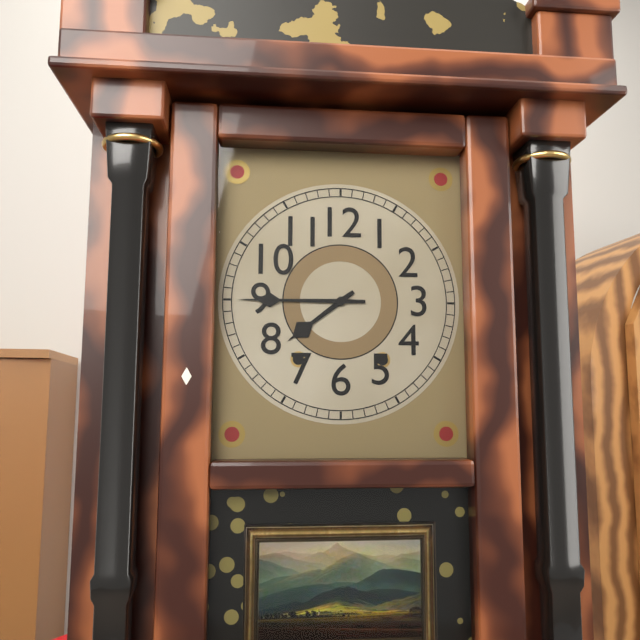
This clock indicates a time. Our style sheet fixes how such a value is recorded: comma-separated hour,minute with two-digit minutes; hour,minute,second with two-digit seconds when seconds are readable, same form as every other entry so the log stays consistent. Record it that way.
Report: 7,45
